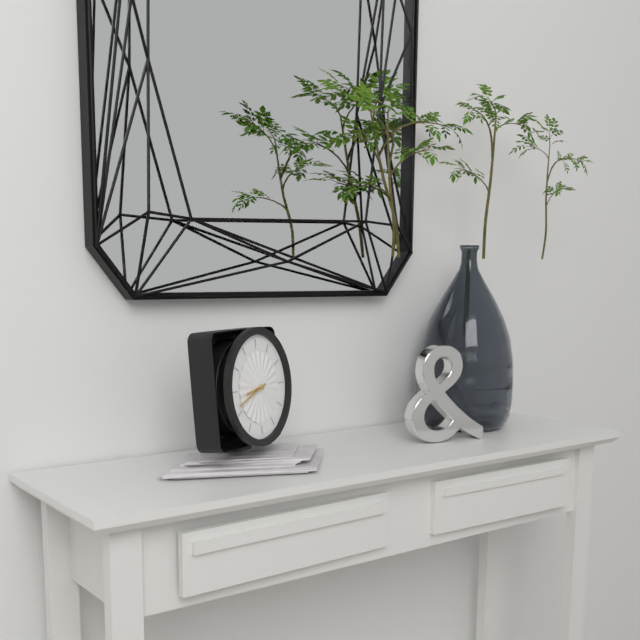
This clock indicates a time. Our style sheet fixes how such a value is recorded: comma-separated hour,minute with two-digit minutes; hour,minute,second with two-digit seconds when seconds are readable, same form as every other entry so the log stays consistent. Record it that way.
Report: 8,42
